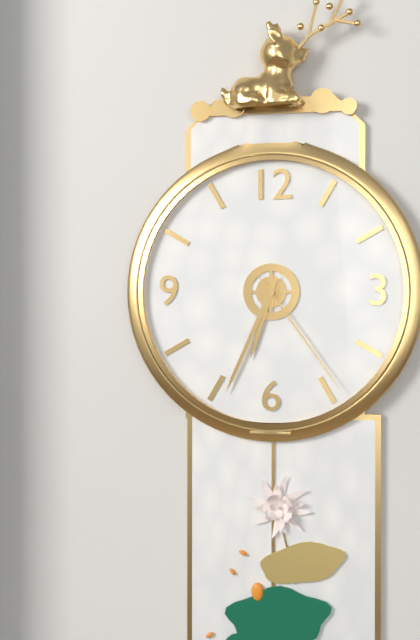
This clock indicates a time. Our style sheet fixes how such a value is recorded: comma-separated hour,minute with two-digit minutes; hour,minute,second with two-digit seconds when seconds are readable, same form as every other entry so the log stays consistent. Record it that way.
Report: 6,34,24
